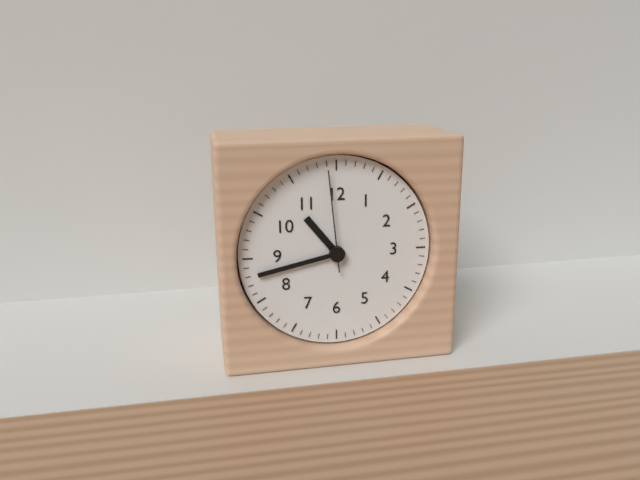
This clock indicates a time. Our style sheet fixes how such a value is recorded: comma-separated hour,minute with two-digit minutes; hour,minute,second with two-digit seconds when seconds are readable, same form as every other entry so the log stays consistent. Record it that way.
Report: 10,43,59
